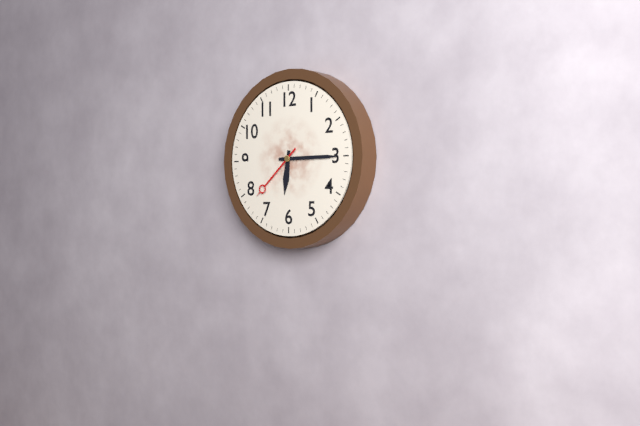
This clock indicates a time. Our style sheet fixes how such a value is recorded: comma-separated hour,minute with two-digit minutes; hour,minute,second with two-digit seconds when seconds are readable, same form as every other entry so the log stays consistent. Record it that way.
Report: 6,15,38
